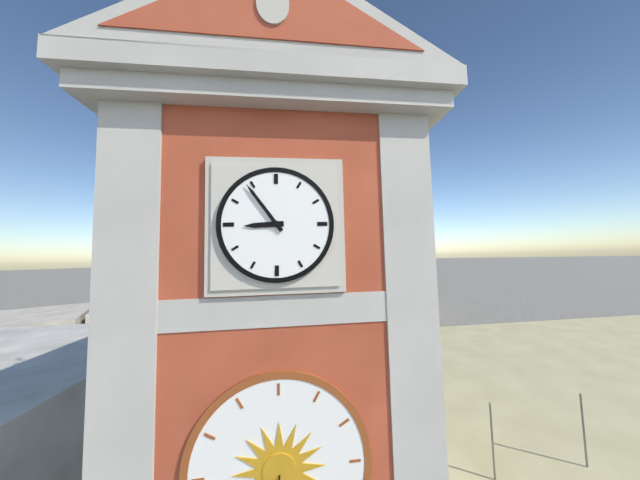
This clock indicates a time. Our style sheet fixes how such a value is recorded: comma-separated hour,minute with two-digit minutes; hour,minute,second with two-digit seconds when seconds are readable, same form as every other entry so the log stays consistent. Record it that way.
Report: 8,54
